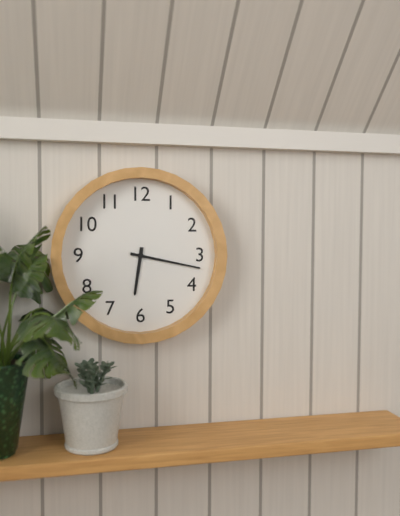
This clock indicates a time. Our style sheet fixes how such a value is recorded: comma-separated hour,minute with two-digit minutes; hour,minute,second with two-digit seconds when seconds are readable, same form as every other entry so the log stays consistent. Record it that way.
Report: 6,17
